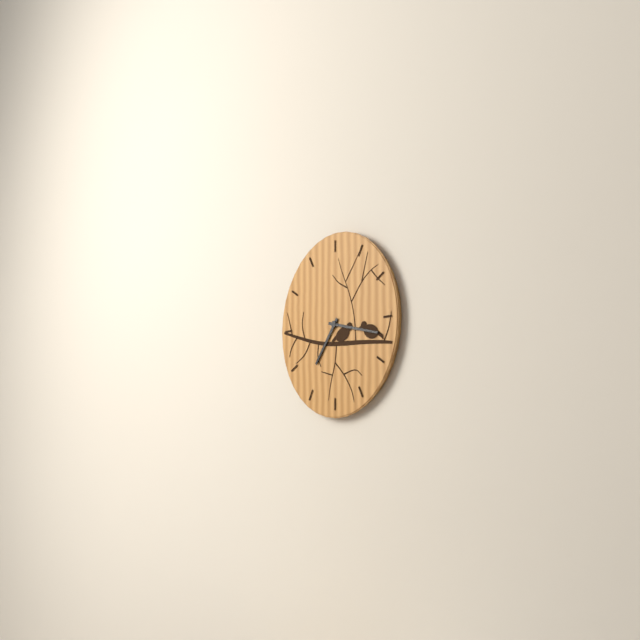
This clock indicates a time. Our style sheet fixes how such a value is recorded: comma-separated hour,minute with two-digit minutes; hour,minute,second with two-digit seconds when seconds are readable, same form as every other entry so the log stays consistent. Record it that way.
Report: 7,17
